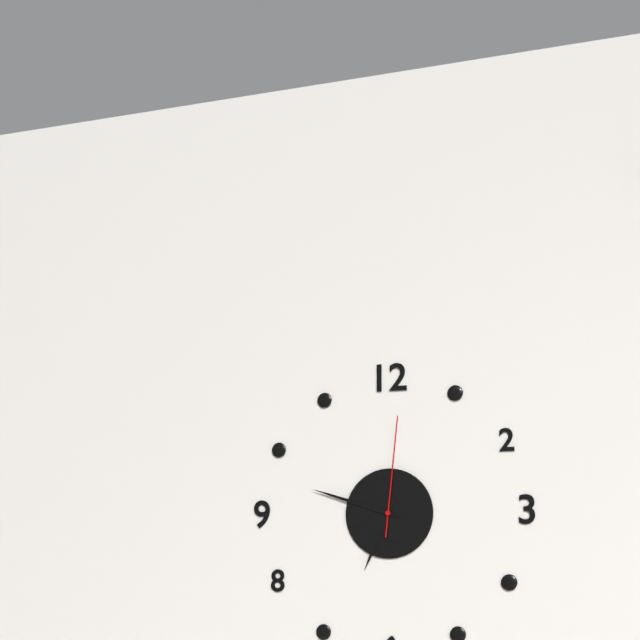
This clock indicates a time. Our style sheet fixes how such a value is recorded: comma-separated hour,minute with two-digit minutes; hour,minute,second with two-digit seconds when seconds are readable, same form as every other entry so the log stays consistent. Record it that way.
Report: 6,48,01
